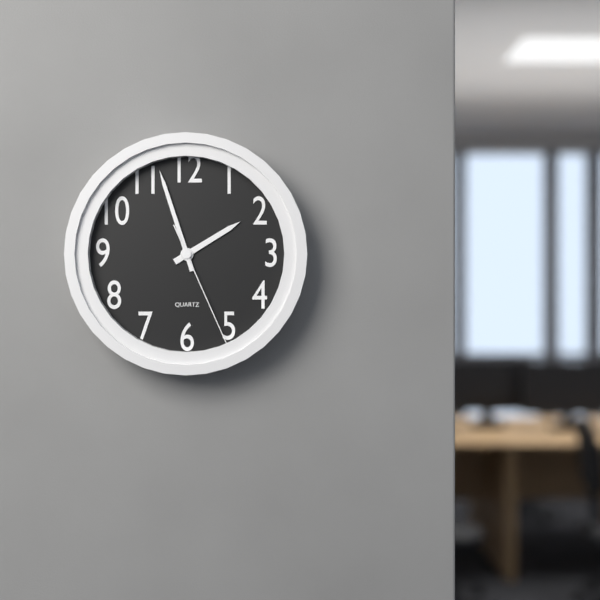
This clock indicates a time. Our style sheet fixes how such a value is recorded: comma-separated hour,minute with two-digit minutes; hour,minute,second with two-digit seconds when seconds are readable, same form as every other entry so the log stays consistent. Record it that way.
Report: 1,57,26
